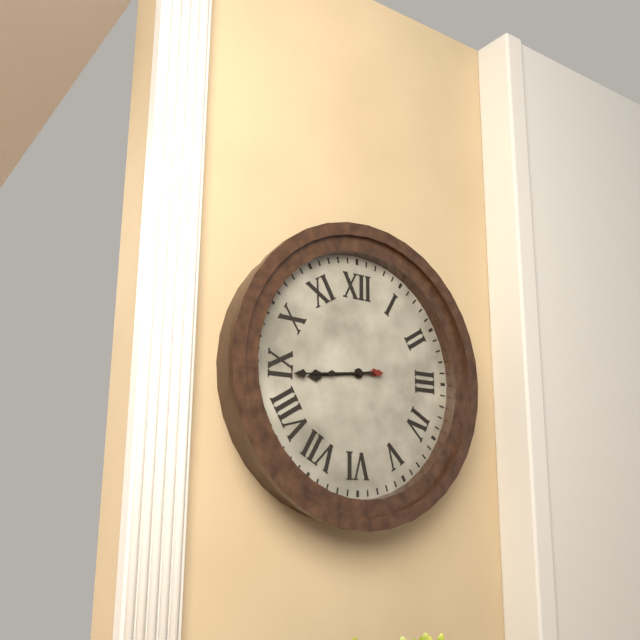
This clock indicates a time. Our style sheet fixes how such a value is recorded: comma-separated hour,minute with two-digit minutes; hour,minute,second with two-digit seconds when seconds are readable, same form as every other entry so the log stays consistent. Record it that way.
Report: 8,44
